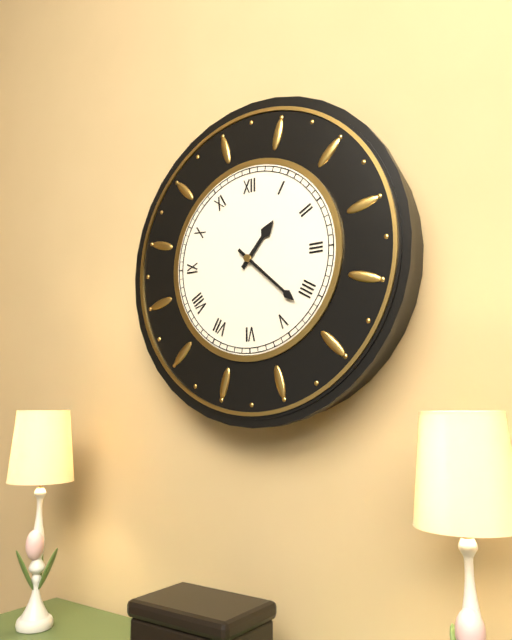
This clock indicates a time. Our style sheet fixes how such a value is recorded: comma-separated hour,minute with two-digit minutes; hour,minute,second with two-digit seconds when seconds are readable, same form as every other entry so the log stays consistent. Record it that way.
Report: 1,22
